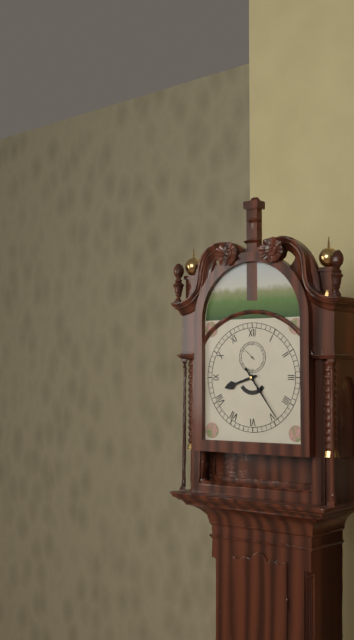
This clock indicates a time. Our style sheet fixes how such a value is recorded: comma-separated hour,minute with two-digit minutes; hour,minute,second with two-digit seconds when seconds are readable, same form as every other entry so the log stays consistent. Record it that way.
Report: 8,24
